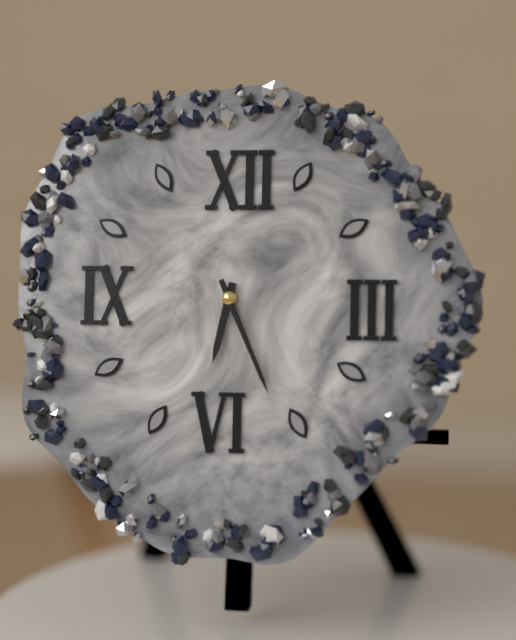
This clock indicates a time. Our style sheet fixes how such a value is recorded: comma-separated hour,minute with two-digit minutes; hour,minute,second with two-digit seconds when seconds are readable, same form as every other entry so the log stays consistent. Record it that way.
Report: 6,26
